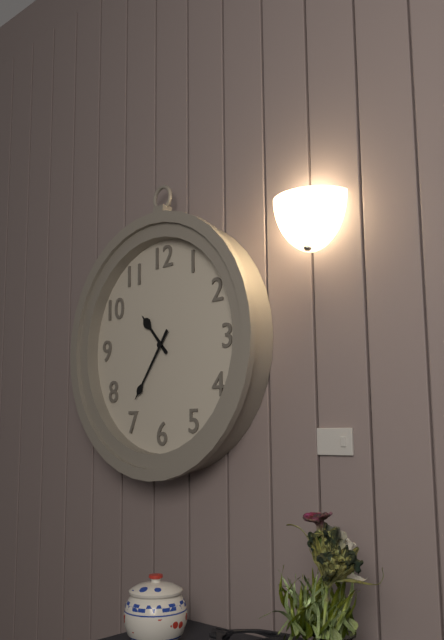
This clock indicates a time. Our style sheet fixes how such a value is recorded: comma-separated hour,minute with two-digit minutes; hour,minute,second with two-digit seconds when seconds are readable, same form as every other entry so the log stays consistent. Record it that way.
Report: 10,36
